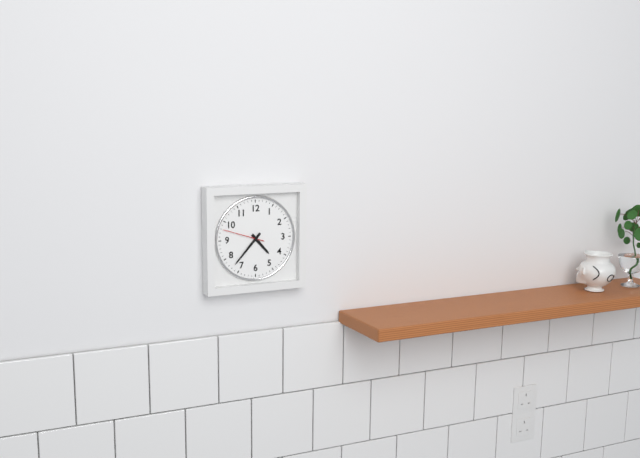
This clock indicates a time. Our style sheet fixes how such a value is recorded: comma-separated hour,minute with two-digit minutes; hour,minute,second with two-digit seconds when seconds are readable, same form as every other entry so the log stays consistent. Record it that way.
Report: 4,37
